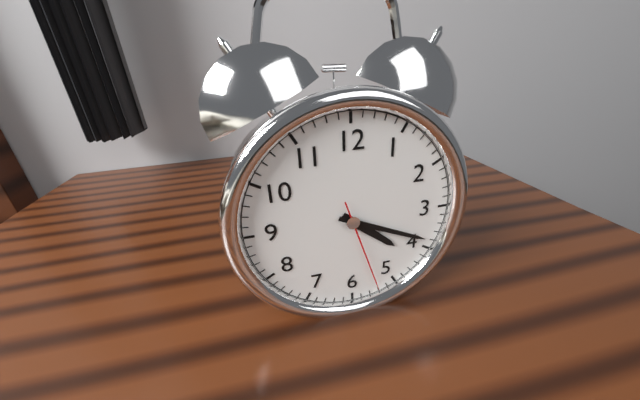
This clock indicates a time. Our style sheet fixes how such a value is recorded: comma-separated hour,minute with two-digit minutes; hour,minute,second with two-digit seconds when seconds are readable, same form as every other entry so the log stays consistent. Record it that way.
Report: 4,19,27
